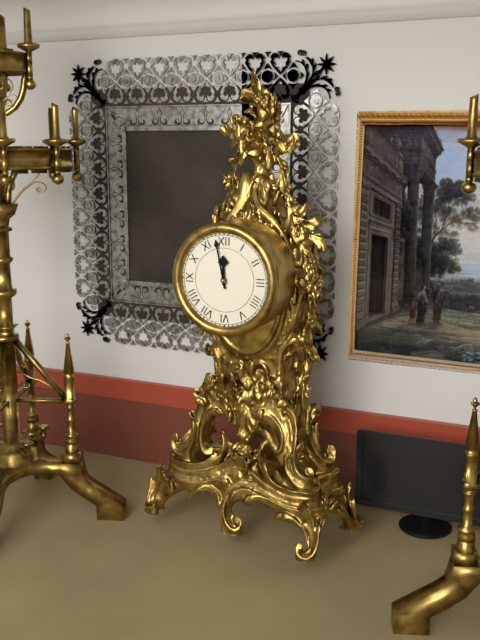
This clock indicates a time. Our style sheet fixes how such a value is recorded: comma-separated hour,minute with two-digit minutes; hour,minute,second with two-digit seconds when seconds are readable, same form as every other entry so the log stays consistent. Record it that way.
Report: 11,58
